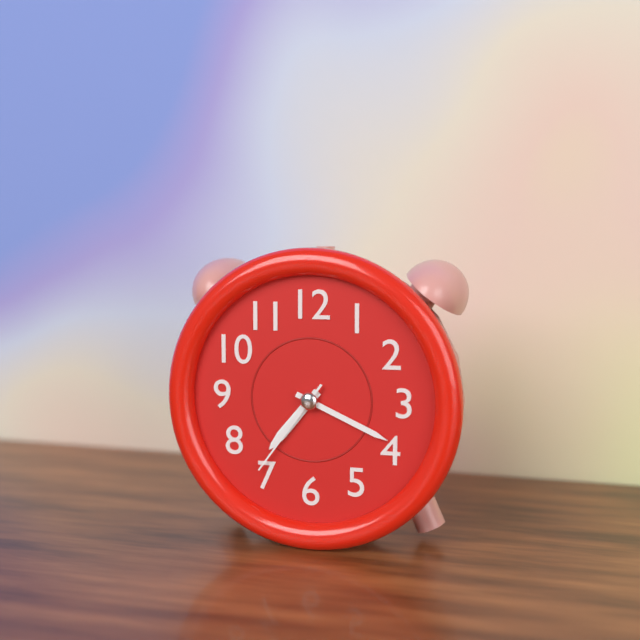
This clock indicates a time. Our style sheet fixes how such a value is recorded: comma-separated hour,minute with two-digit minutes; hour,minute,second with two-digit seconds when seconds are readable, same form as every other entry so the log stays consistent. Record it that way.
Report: 7,19,36
